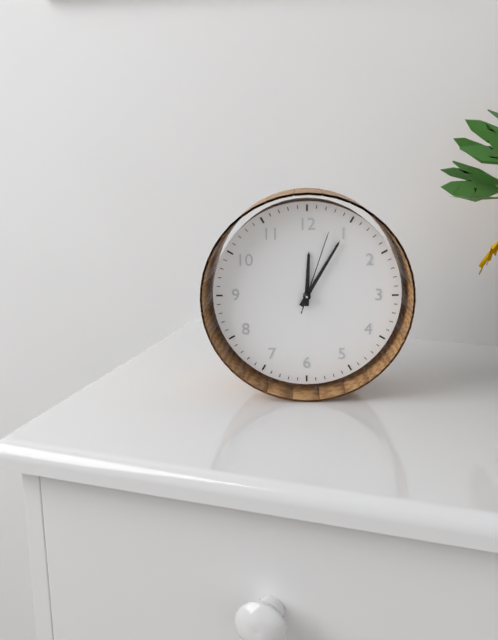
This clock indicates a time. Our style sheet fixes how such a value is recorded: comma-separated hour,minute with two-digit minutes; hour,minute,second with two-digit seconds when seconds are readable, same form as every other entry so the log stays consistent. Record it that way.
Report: 12,05,03
